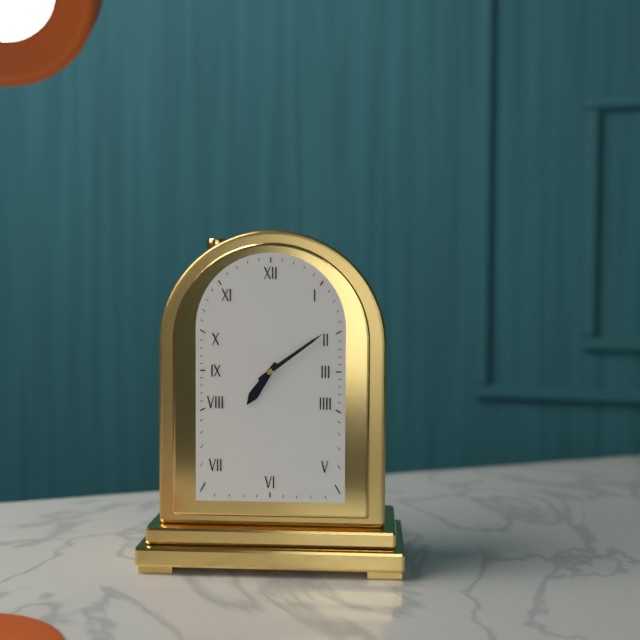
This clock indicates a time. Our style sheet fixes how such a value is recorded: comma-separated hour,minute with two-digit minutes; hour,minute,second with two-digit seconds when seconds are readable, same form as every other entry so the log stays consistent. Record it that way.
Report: 7,09
